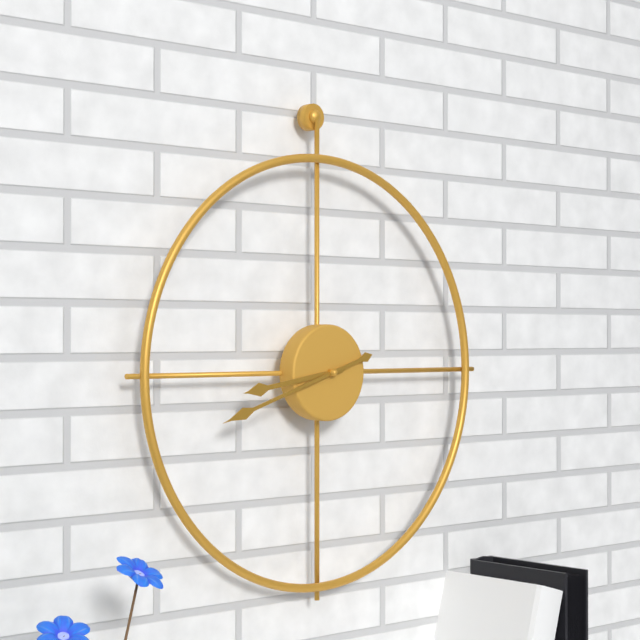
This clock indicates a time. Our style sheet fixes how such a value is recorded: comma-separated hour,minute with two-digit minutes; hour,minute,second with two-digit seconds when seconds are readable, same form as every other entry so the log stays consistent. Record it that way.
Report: 8,42
